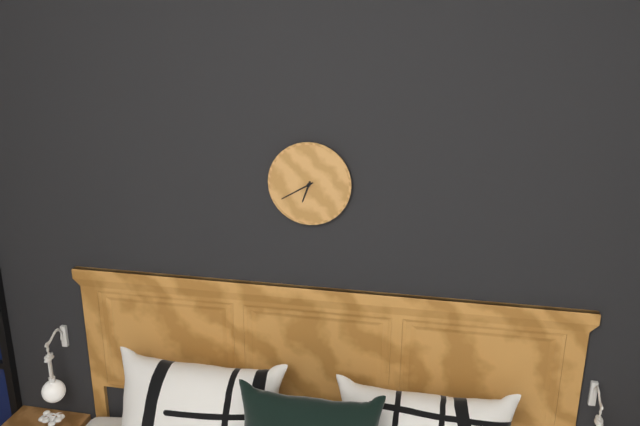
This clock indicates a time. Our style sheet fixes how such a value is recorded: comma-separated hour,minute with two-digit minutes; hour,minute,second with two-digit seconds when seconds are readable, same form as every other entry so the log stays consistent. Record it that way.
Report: 6,40
